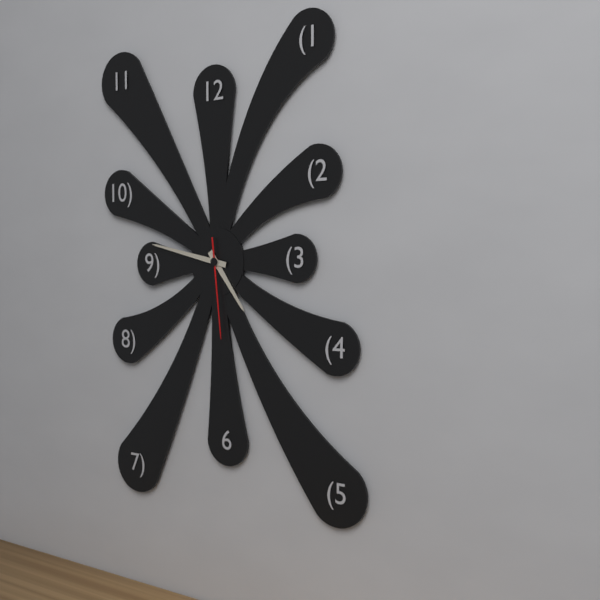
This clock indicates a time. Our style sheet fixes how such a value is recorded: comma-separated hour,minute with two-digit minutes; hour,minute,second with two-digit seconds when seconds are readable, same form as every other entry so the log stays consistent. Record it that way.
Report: 4,47,29
